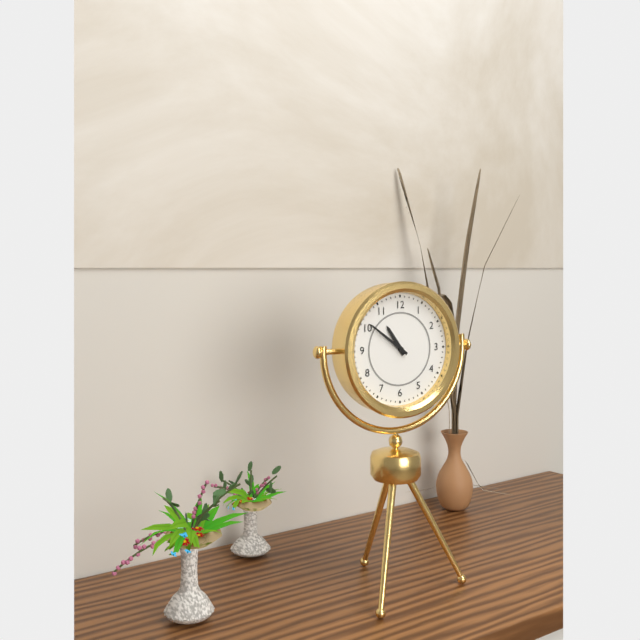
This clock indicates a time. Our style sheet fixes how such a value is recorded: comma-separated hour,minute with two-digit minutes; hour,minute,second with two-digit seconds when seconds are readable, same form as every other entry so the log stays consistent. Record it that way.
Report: 10,51
